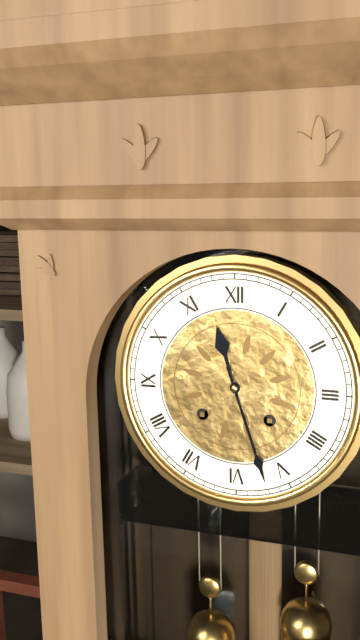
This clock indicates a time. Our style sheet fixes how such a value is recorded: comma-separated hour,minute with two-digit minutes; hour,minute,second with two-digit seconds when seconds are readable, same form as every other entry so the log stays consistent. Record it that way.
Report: 11,27
